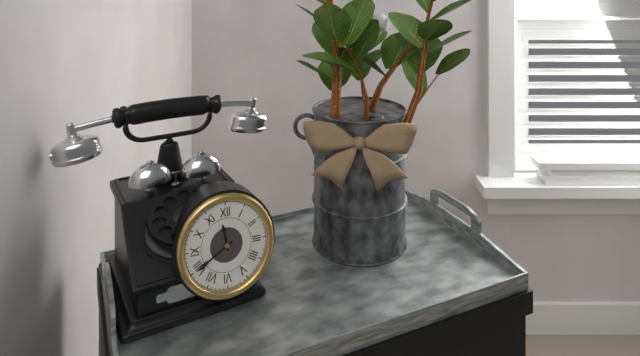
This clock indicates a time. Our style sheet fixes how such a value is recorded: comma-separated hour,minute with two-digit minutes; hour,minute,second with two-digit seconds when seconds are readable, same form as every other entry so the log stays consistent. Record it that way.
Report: 11,40
